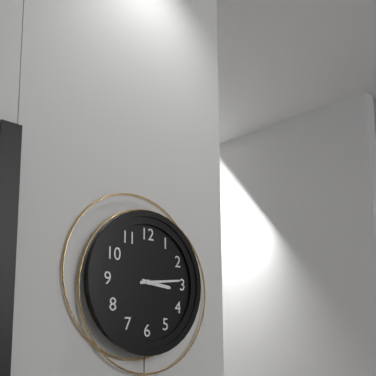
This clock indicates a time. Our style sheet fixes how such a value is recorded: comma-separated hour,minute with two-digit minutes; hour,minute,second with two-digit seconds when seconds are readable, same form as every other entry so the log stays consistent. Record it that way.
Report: 3,14
